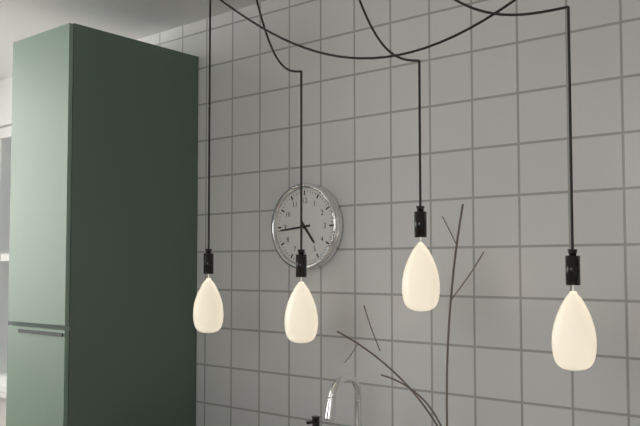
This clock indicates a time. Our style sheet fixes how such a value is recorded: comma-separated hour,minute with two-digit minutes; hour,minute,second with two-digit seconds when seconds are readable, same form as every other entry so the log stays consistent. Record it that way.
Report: 4,44
